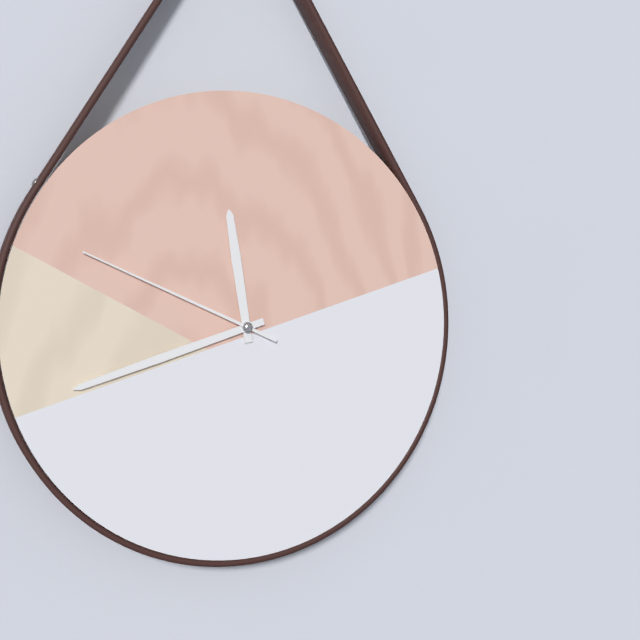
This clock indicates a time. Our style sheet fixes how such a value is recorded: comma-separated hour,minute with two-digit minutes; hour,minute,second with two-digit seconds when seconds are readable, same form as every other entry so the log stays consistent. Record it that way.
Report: 11,42,49
